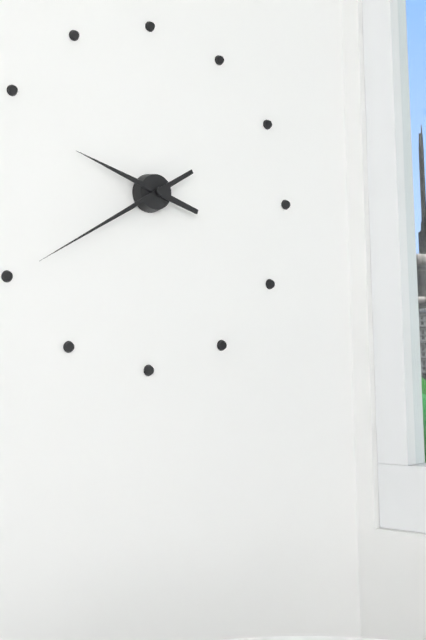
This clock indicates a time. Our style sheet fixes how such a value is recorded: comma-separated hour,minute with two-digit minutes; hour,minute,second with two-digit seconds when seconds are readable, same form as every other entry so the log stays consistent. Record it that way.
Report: 9,40
